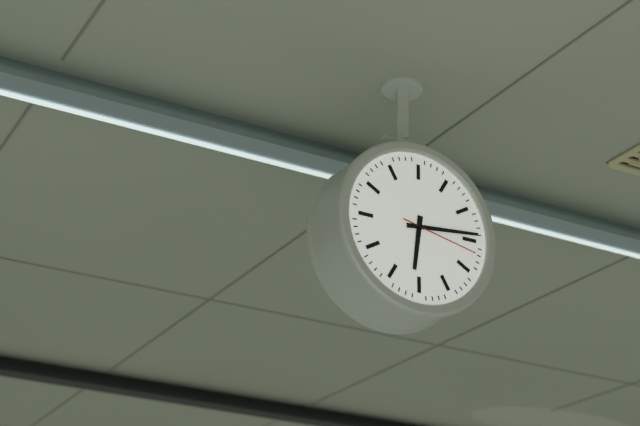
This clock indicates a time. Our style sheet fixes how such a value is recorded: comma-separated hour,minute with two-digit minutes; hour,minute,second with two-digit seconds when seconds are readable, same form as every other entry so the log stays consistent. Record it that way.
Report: 6,14,17
